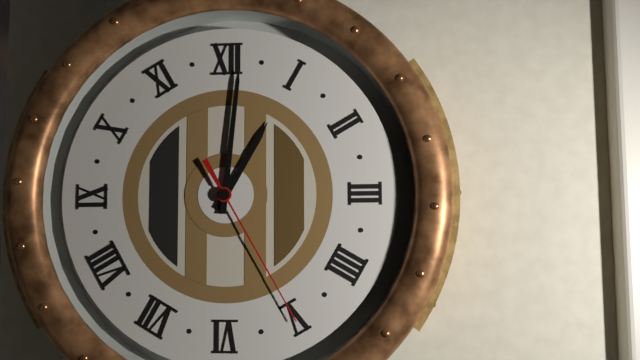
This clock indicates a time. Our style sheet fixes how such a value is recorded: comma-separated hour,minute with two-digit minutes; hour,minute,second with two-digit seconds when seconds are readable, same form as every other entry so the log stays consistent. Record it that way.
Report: 1,01,25
